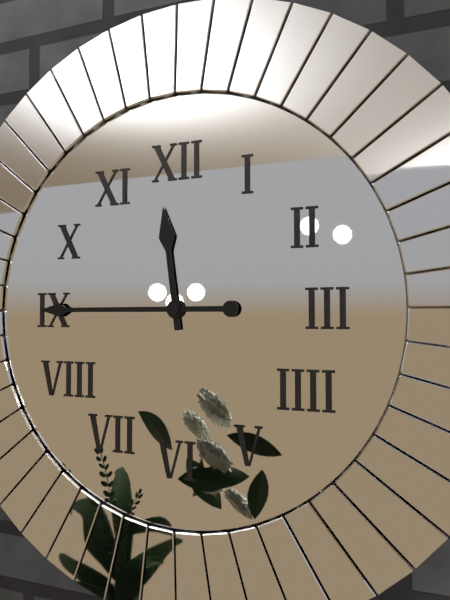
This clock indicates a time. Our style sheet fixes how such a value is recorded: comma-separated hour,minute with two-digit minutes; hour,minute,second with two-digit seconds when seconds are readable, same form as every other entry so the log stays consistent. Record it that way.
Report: 11,45
